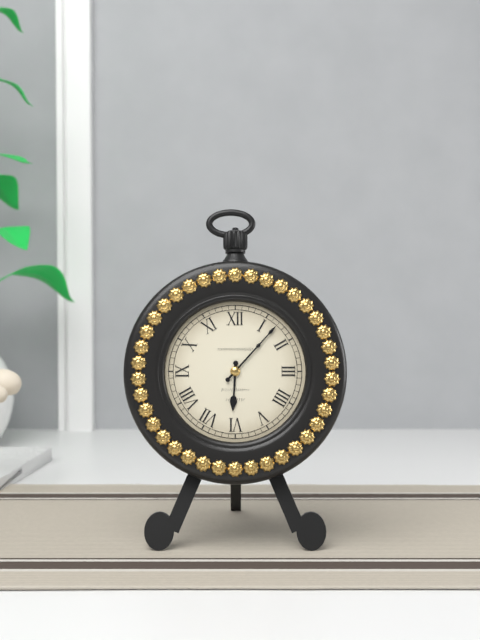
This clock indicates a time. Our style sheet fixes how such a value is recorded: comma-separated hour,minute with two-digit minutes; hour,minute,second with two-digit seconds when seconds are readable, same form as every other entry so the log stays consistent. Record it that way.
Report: 6,07
